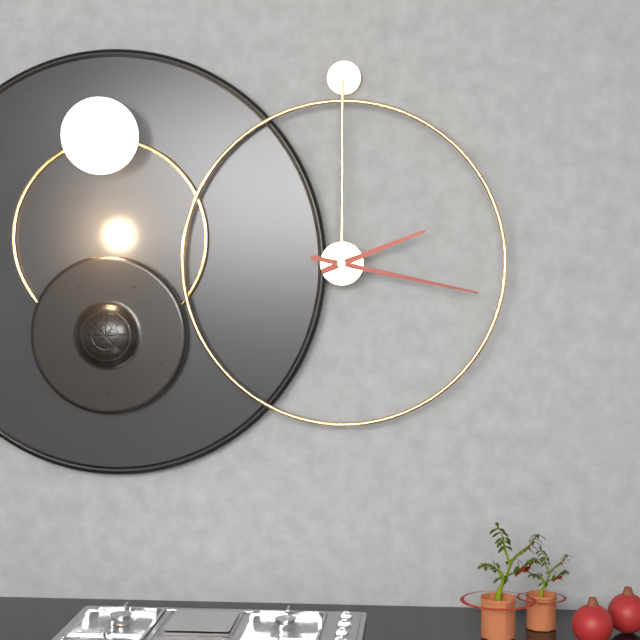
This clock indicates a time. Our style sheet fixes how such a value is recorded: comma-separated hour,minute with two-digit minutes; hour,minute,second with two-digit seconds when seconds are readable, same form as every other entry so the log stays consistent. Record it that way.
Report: 2,17
